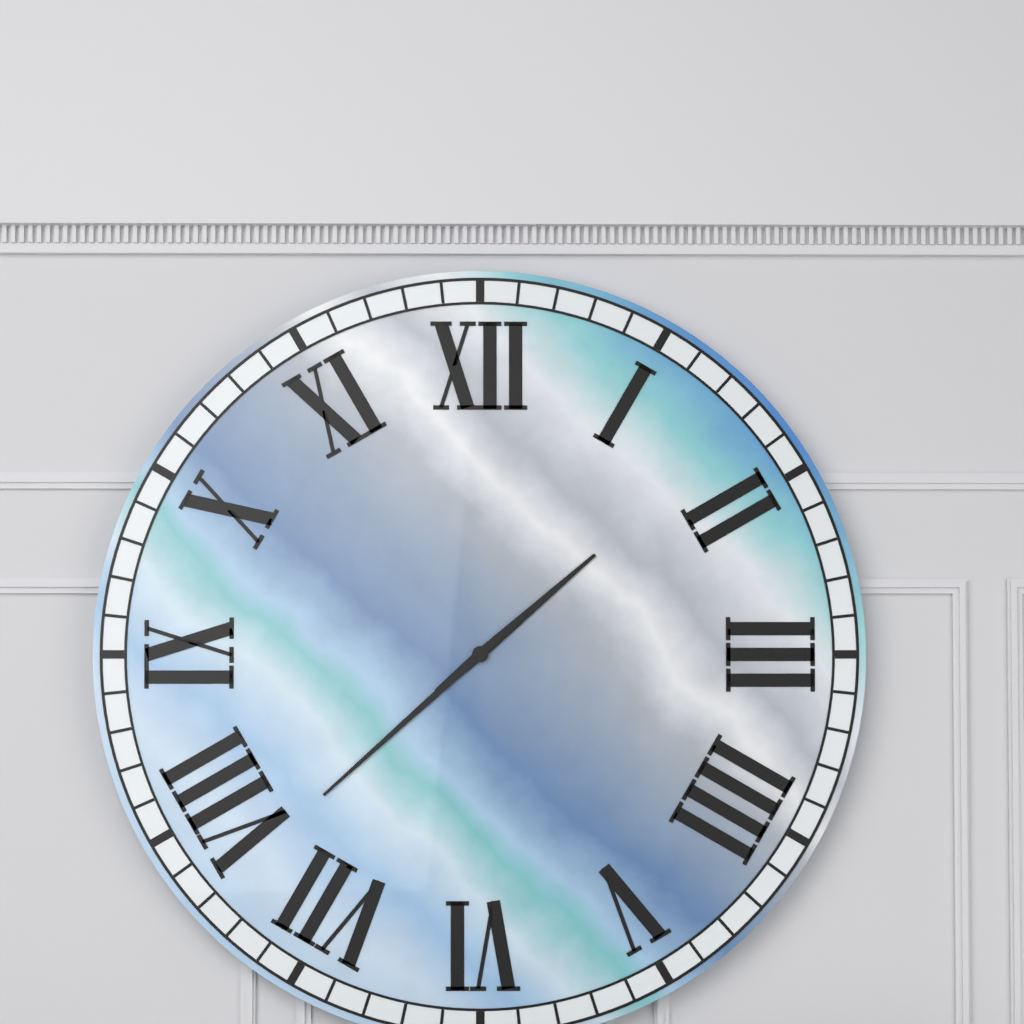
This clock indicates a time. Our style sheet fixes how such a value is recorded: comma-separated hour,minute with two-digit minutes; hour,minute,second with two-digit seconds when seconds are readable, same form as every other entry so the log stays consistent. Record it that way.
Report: 1,38
